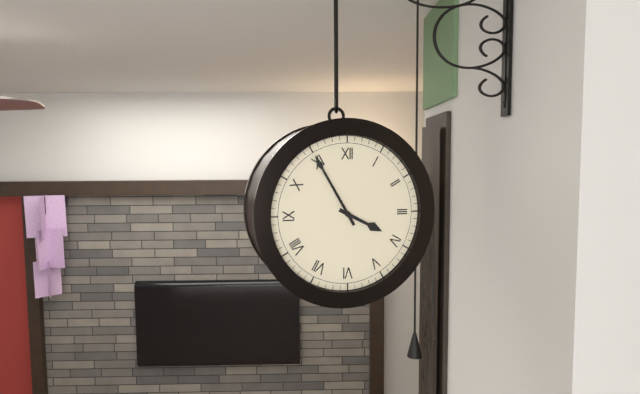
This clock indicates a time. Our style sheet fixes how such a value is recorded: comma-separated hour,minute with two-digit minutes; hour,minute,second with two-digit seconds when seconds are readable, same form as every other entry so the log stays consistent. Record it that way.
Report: 3,55
